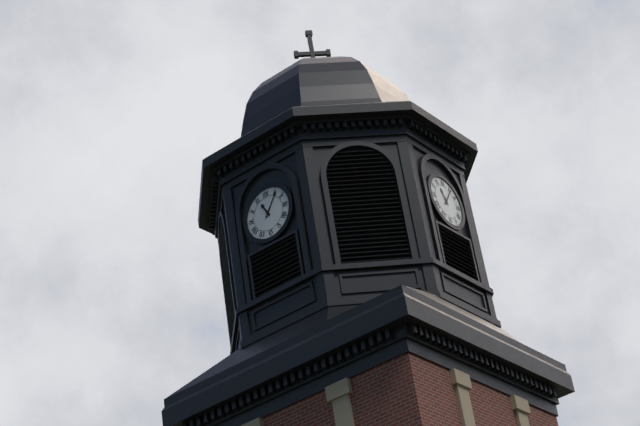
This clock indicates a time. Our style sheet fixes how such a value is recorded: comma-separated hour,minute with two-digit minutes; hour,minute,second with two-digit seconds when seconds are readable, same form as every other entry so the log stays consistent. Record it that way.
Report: 11,06
